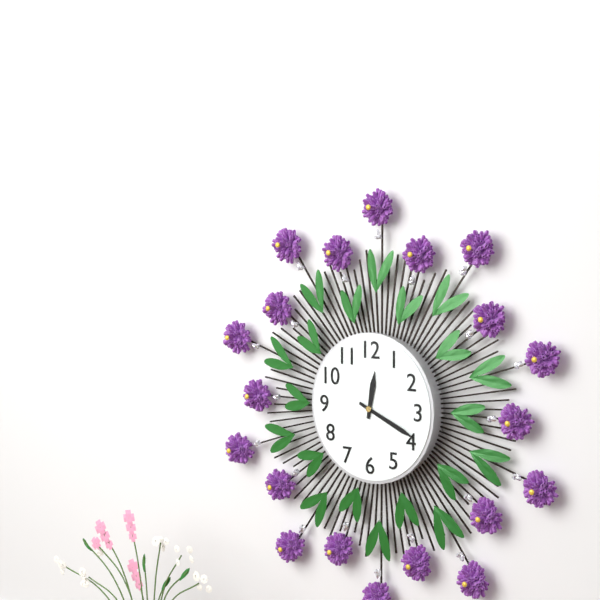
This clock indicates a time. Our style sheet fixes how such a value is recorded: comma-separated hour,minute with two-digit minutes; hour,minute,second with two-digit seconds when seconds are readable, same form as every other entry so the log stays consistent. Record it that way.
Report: 12,19
